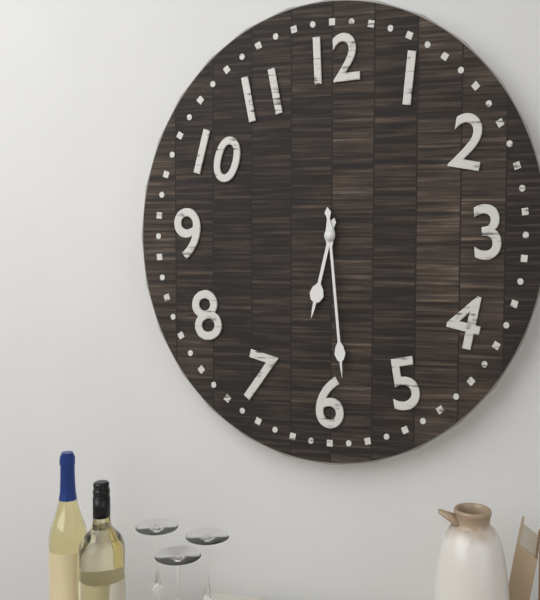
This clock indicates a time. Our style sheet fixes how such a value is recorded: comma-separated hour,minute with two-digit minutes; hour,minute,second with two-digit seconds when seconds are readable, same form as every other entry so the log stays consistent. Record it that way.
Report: 6,29
